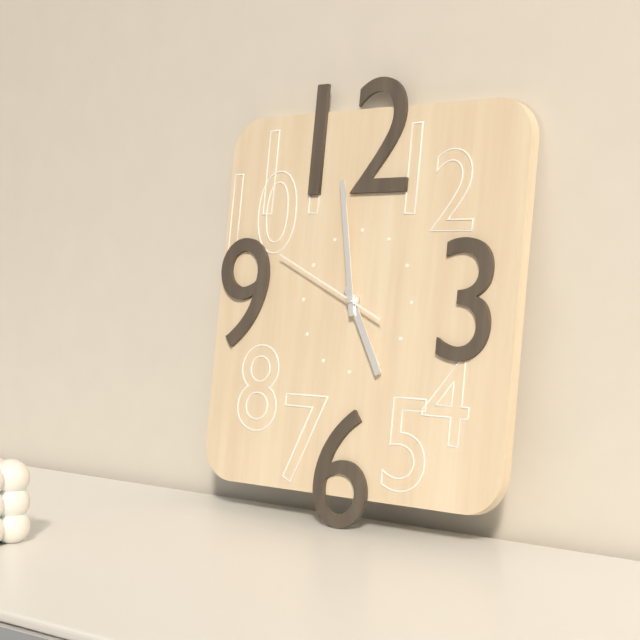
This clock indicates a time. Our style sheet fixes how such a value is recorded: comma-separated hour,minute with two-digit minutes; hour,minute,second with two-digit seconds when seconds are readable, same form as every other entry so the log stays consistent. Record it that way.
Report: 4,58,49
